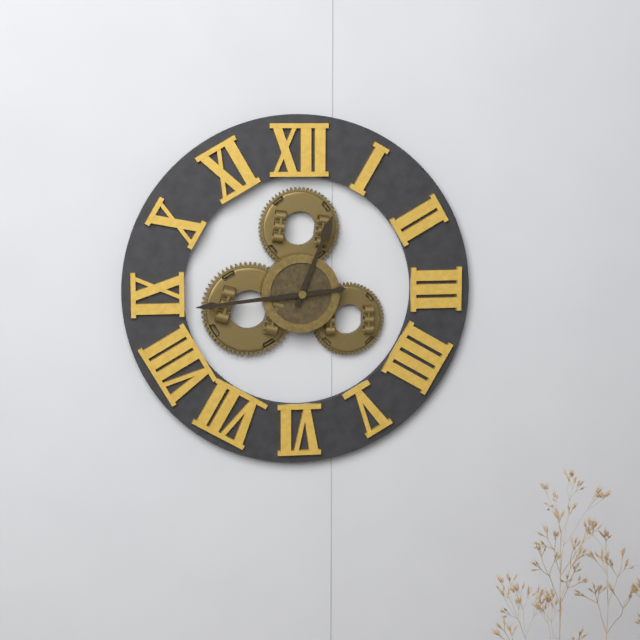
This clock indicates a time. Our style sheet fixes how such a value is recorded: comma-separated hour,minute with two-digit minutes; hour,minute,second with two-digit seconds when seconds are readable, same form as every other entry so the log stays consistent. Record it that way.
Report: 12,44
